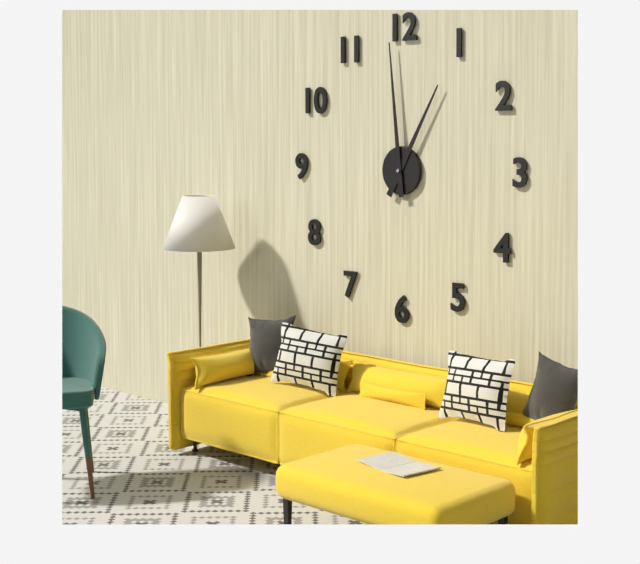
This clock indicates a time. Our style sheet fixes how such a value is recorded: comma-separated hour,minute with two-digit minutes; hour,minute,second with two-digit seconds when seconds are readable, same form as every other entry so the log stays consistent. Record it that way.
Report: 12,59
